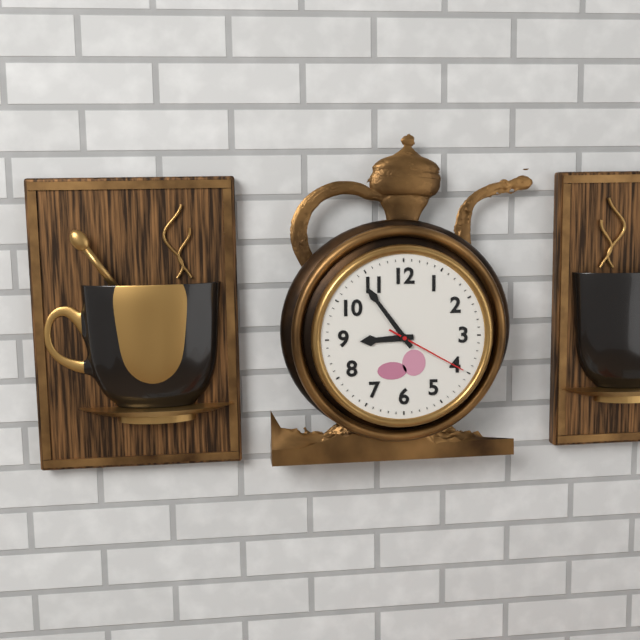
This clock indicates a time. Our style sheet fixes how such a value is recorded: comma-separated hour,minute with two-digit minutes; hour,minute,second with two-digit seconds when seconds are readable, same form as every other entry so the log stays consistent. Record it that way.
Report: 8,54,20
